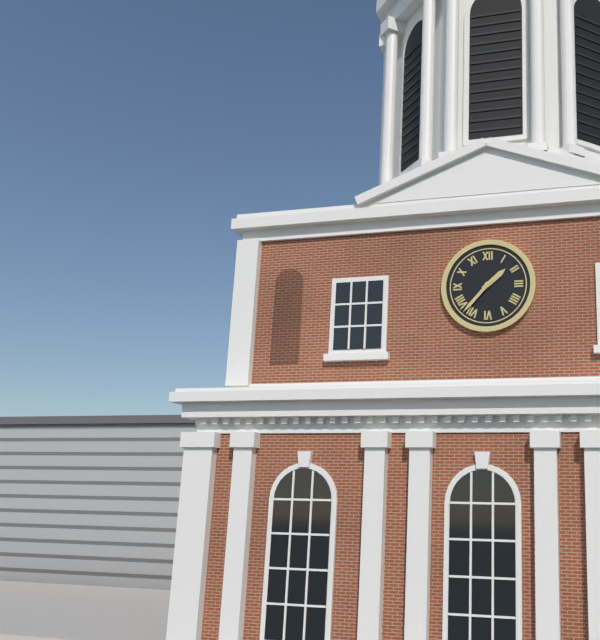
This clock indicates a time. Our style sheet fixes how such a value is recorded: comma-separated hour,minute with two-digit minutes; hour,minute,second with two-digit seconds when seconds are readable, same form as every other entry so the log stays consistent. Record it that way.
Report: 1,37
